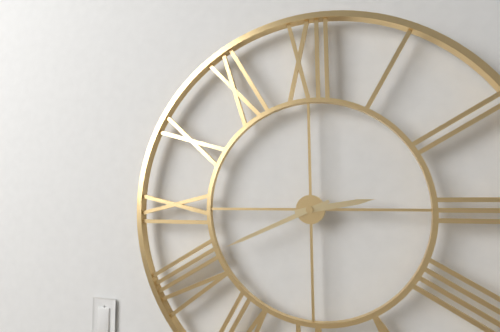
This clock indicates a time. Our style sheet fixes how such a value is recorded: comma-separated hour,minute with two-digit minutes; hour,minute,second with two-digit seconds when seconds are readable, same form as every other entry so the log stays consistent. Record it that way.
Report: 2,41
